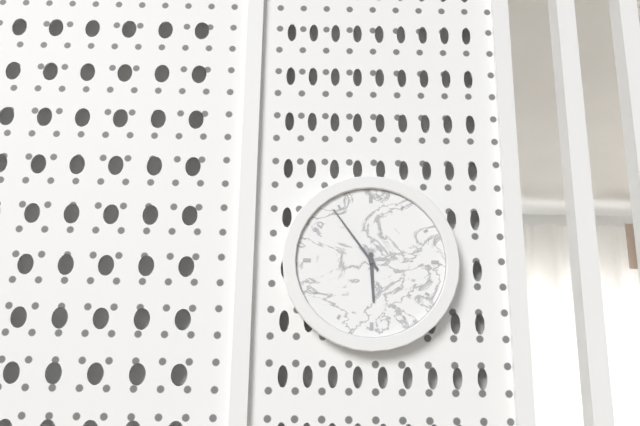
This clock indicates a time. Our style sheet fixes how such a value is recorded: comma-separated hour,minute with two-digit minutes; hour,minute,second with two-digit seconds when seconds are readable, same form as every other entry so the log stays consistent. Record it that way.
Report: 5,54
